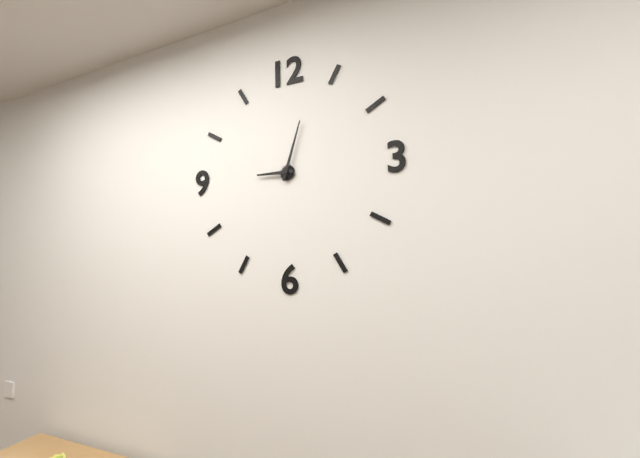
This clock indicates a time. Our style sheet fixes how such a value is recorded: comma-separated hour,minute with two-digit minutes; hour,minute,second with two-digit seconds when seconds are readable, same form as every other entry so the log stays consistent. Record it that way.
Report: 9,03
